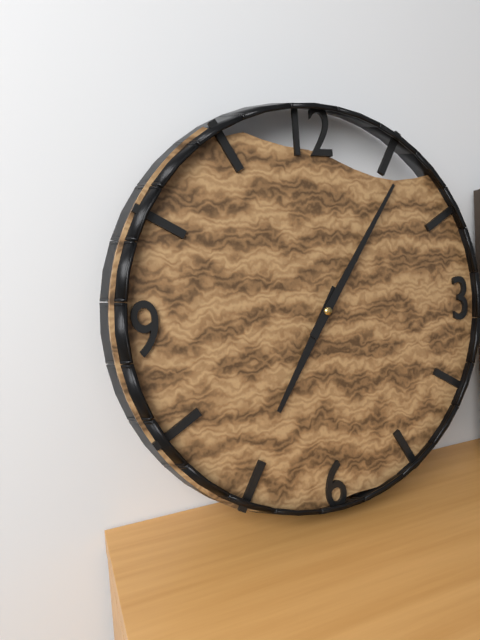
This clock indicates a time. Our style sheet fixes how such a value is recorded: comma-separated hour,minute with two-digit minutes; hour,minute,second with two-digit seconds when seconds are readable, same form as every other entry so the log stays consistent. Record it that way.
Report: 7,06
